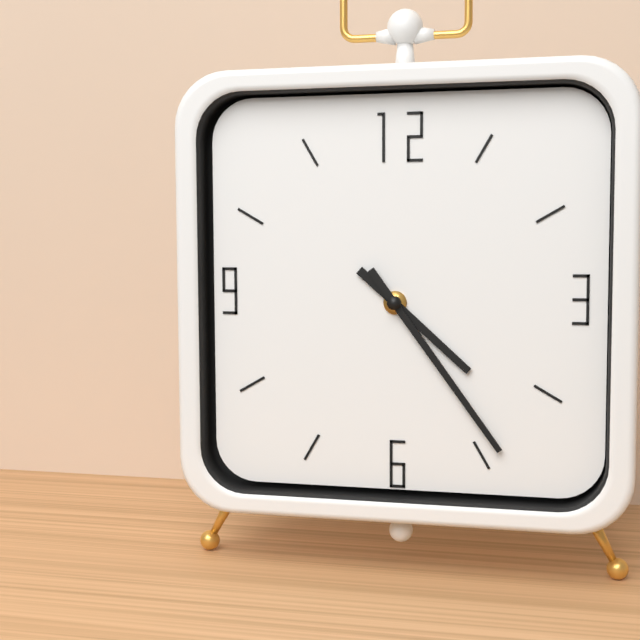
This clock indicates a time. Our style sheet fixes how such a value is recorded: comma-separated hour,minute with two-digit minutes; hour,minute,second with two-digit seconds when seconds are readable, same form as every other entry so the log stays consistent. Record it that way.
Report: 4,24
